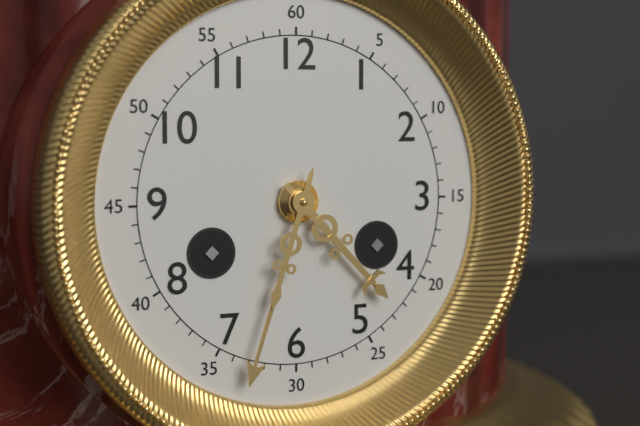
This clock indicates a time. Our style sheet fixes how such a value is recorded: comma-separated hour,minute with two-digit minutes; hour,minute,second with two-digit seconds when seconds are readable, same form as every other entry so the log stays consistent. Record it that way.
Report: 4,33
